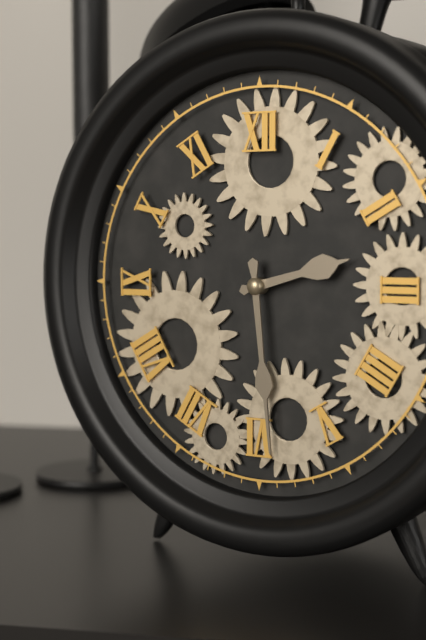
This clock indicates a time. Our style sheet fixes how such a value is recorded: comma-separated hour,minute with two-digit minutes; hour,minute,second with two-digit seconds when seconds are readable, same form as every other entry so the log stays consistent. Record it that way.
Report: 2,29
